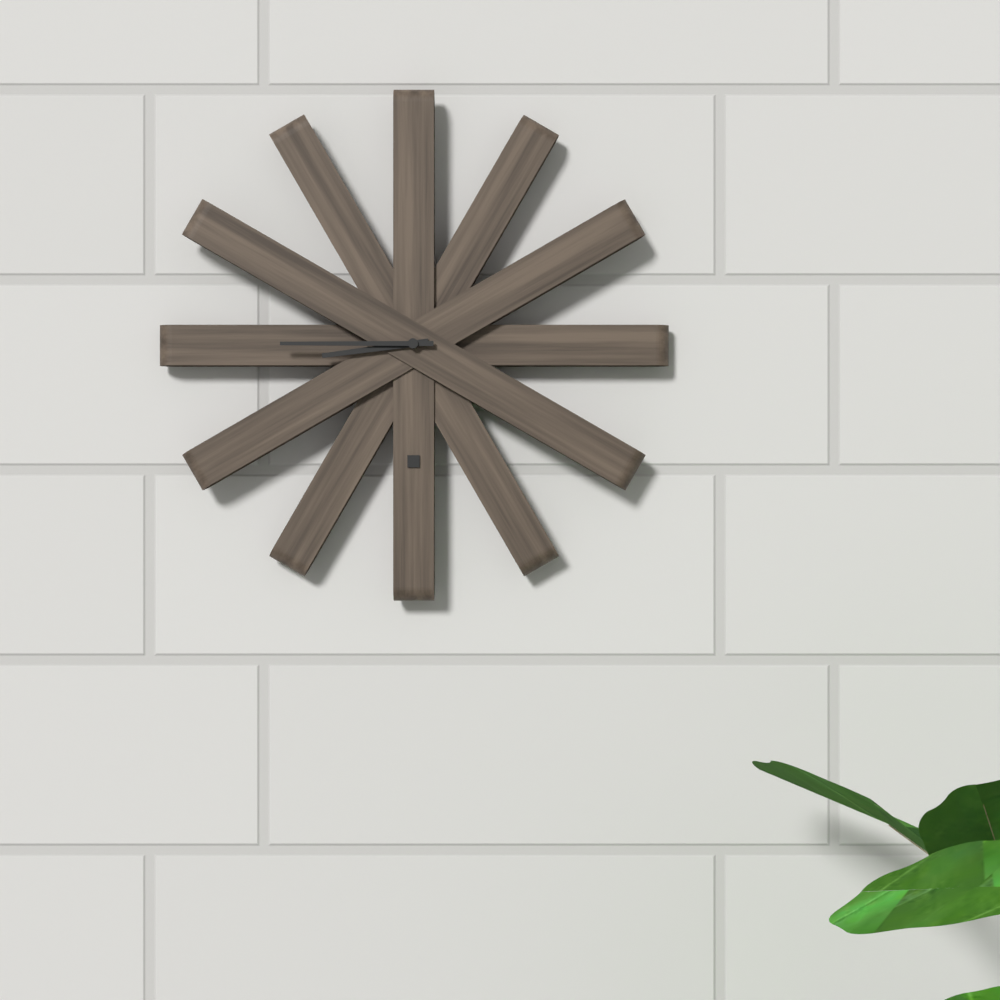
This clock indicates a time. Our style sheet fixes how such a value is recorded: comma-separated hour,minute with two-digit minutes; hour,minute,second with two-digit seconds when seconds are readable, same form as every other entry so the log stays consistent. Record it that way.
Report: 8,45
